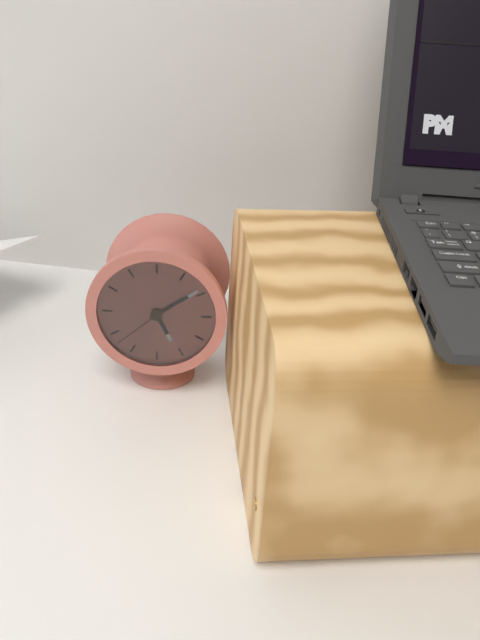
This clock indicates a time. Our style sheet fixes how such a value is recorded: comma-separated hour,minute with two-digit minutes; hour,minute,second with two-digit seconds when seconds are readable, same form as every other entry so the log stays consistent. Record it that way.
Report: 5,09,38
